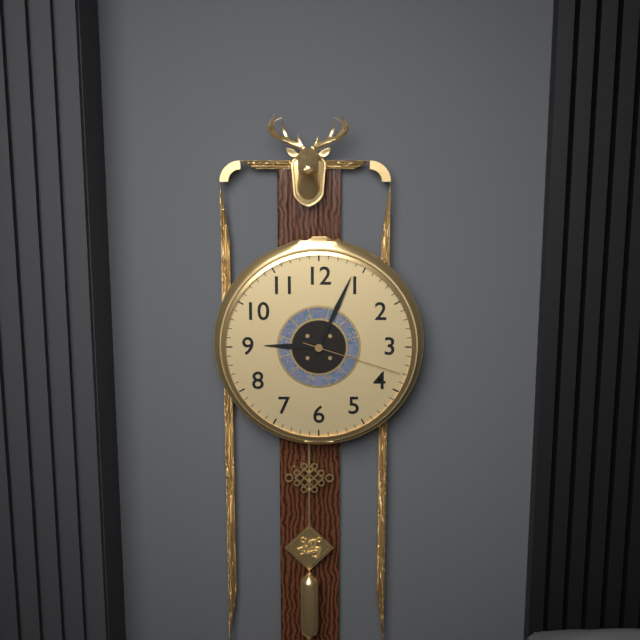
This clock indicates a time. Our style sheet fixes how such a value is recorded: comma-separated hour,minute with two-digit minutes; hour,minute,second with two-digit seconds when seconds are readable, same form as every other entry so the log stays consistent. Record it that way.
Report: 9,04,18
